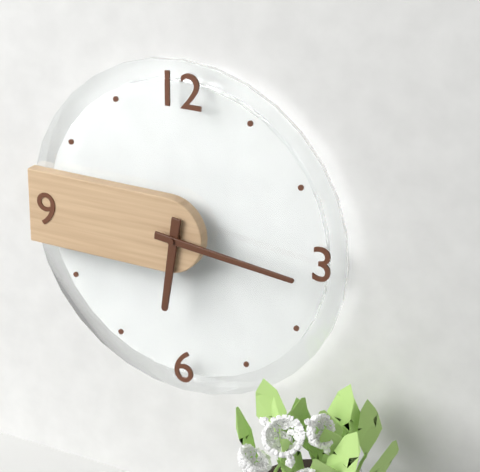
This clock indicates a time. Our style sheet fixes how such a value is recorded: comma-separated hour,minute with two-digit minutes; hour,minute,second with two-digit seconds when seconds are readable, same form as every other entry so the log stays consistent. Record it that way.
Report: 6,16
